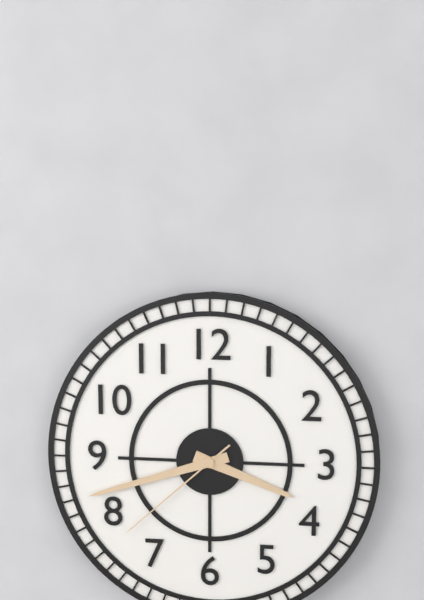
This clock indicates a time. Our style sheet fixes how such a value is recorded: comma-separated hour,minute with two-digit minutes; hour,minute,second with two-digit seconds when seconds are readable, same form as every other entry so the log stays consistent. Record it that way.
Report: 3,42,38
